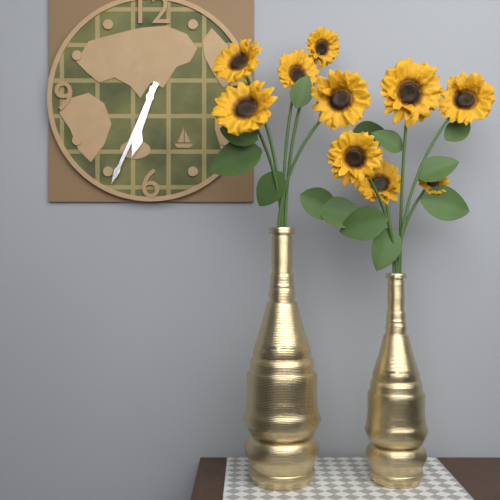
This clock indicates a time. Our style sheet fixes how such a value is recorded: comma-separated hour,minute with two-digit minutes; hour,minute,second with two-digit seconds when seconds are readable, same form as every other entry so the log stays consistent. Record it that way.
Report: 6,34
